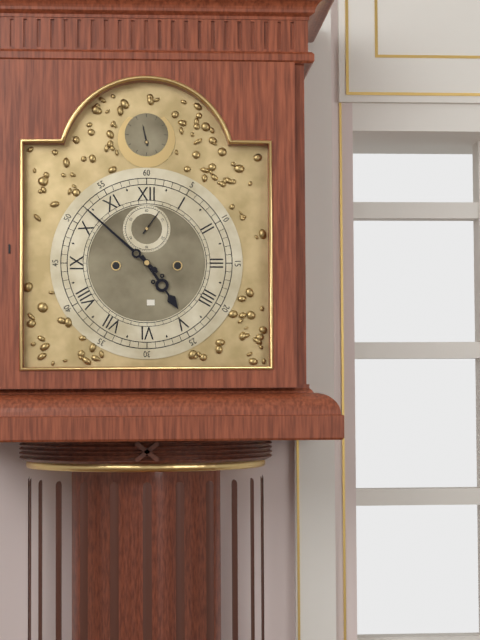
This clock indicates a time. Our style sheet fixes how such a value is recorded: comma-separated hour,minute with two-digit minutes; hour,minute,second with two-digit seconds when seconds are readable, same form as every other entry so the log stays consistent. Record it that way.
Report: 4,52
